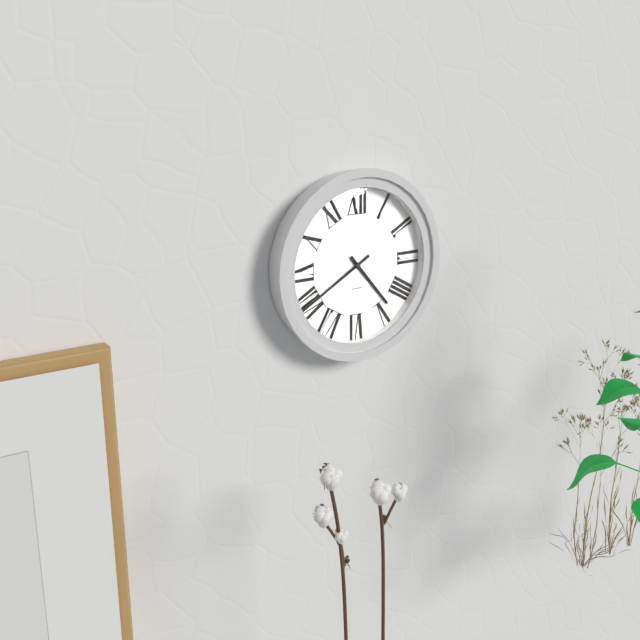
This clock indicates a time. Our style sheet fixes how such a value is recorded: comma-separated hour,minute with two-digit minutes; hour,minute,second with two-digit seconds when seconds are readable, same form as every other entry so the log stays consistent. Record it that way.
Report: 4,40
